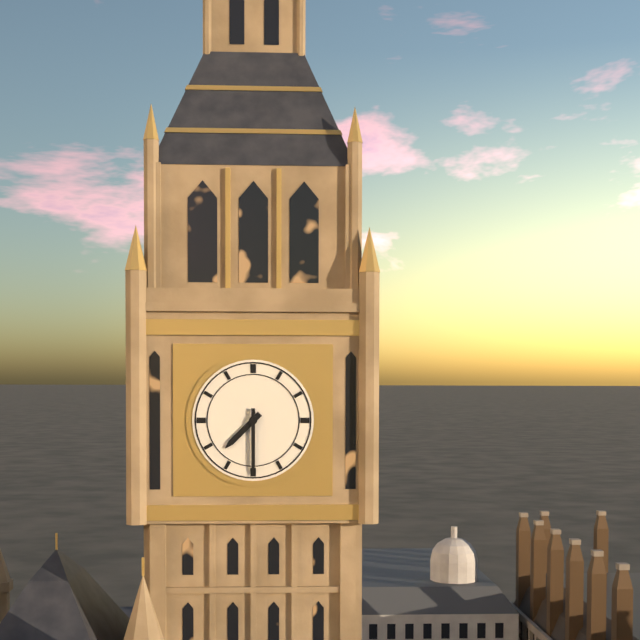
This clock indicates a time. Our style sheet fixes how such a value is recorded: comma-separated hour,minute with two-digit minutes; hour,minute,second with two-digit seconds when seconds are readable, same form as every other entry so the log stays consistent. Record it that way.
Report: 7,30
